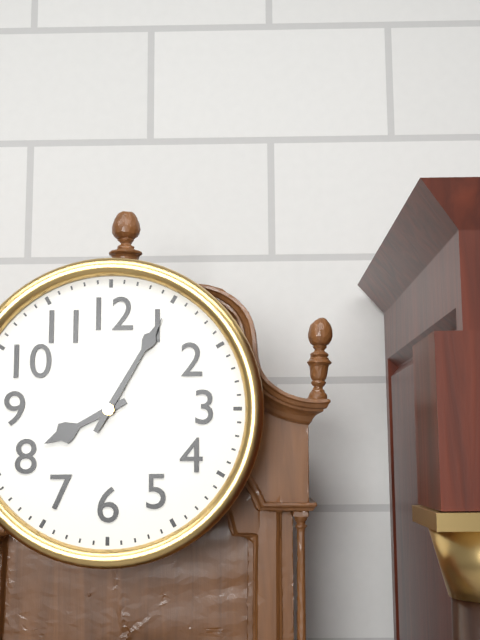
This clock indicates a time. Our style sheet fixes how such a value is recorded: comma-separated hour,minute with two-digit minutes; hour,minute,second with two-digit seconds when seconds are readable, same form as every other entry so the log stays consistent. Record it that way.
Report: 8,05
